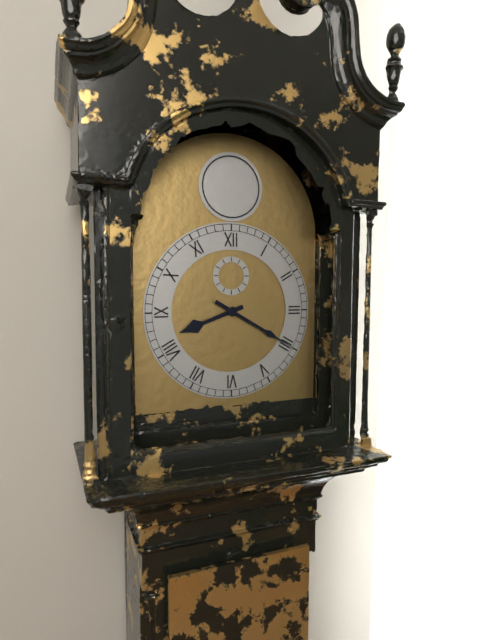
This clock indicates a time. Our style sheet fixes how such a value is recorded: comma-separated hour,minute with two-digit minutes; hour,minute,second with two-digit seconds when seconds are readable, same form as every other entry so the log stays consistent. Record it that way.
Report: 8,20
